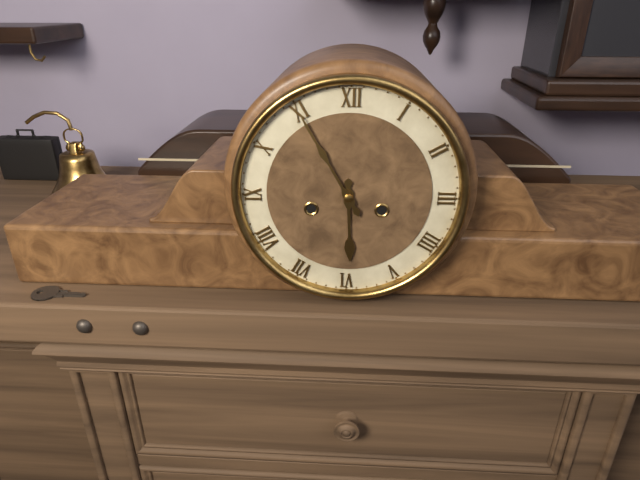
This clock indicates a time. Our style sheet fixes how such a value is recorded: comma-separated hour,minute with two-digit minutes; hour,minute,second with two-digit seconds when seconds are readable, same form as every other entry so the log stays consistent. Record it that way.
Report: 5,55
